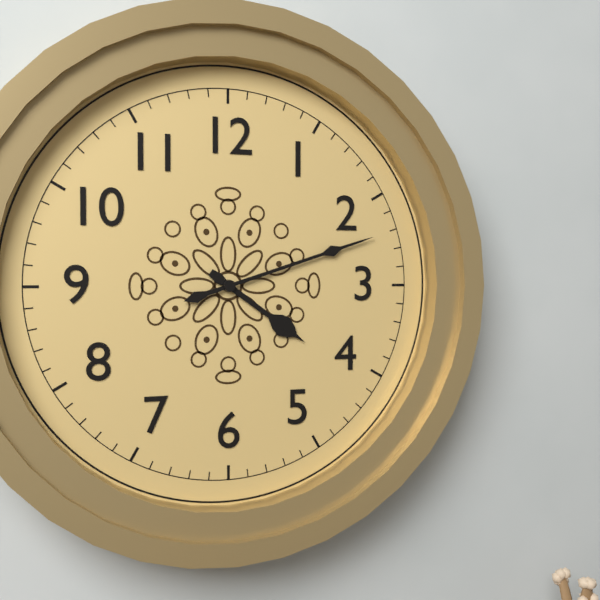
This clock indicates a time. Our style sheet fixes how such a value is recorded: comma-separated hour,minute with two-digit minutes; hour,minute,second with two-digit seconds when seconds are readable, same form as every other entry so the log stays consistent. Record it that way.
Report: 4,12
